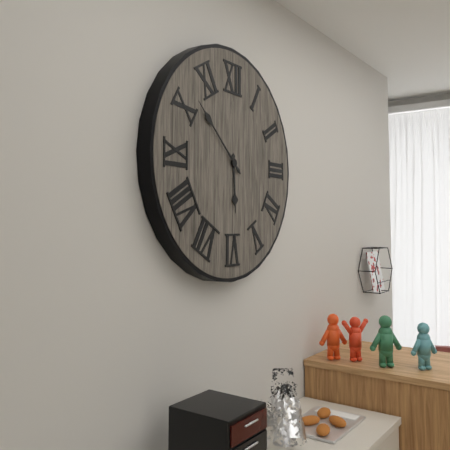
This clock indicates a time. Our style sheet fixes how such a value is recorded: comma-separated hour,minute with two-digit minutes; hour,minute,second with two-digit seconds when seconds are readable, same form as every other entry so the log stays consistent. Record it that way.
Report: 5,52
